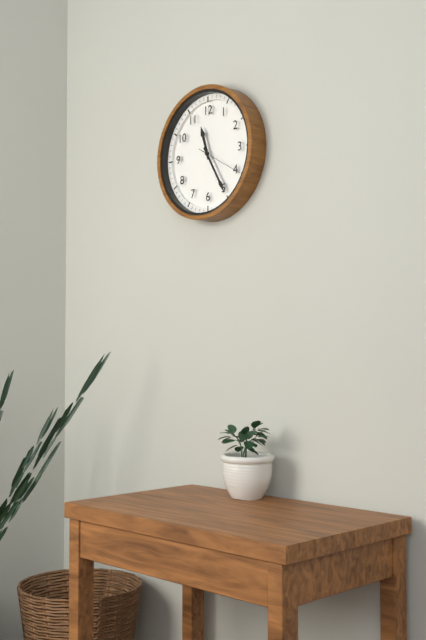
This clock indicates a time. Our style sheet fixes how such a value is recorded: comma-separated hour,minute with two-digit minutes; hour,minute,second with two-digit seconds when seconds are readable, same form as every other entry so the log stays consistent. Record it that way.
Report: 11,25
